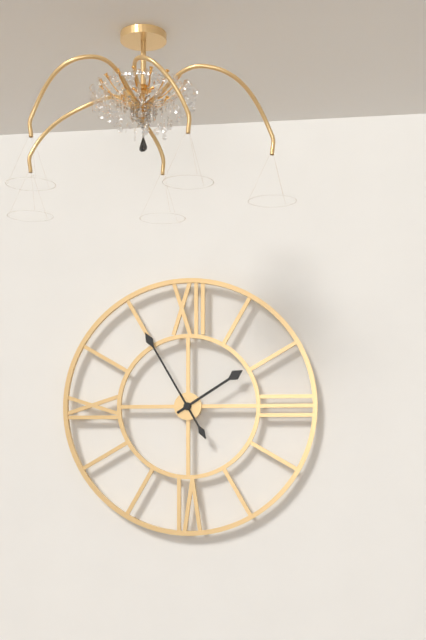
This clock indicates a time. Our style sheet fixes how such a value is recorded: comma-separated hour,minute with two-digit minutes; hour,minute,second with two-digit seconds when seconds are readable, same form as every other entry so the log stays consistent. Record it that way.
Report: 1,55
